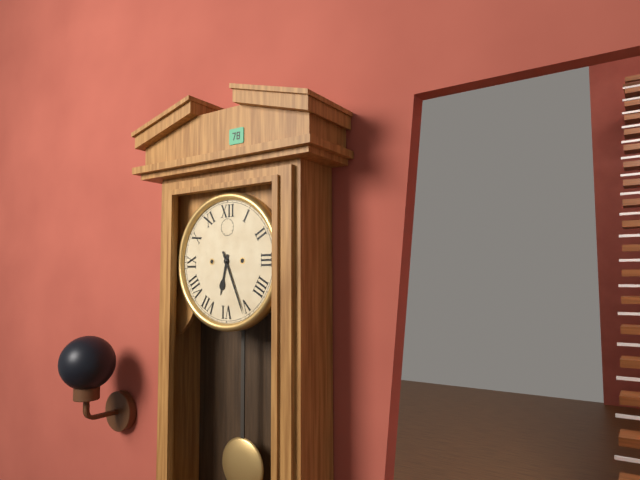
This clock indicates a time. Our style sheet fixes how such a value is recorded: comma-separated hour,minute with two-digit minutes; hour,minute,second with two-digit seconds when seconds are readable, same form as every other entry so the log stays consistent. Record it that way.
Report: 6,26
